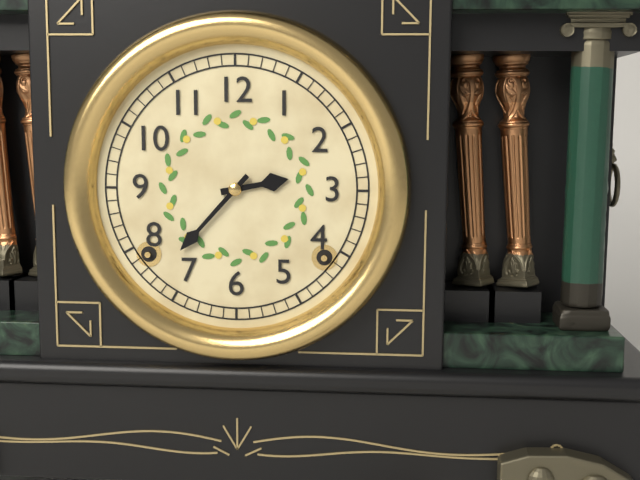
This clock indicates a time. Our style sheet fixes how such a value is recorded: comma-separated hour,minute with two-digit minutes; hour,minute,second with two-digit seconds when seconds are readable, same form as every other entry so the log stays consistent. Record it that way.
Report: 2,37
